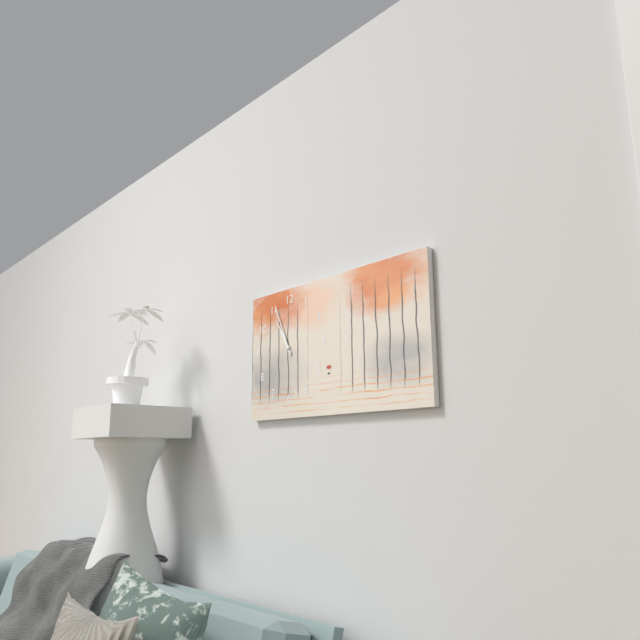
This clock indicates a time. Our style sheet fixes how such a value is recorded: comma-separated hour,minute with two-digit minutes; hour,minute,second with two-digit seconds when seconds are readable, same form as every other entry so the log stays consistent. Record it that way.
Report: 10,56
